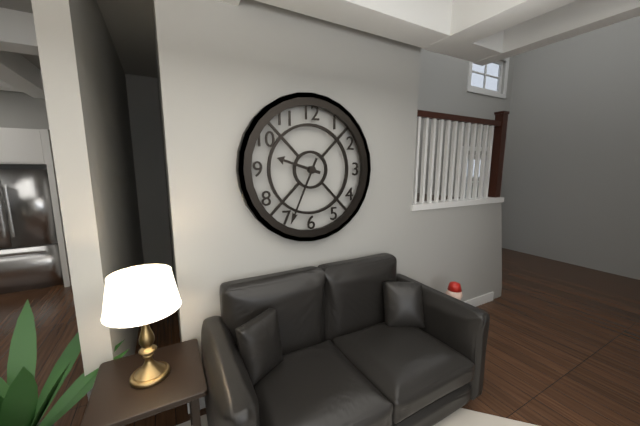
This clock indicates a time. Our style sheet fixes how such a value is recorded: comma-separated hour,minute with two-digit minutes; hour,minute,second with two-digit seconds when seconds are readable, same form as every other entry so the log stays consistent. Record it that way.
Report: 9,34
